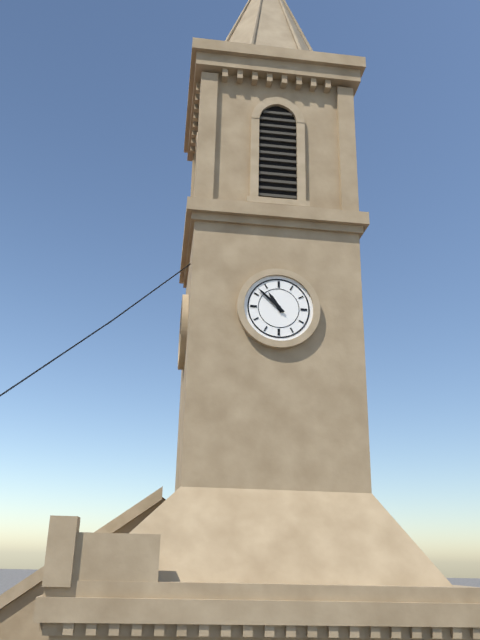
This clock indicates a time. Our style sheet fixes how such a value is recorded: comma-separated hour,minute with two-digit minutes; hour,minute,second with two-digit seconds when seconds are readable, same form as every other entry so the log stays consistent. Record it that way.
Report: 10,52
